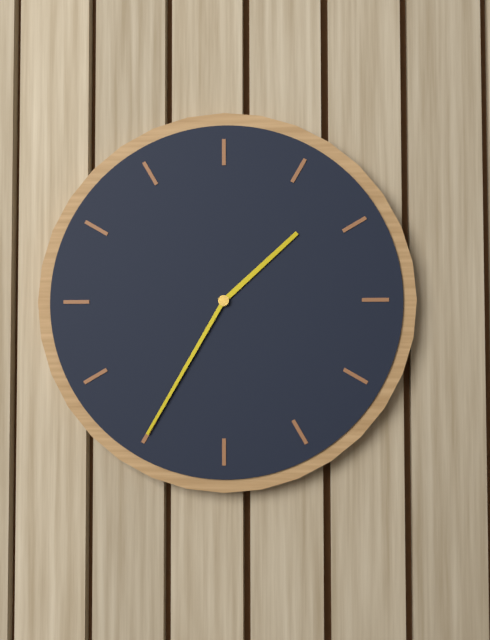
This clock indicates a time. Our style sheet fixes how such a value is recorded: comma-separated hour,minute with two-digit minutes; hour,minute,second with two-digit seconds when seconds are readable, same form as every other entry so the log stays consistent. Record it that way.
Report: 1,35
